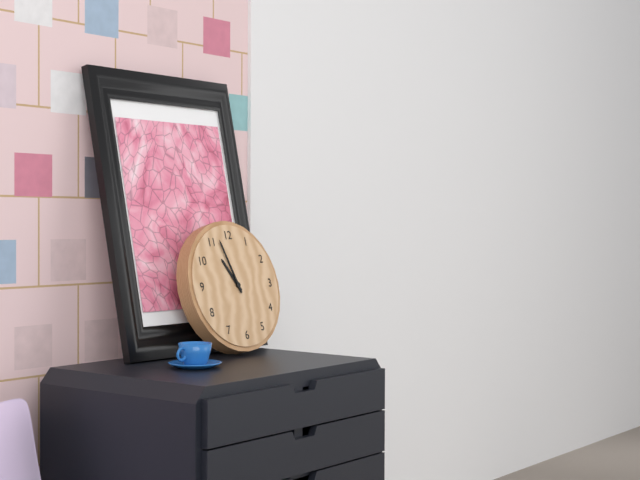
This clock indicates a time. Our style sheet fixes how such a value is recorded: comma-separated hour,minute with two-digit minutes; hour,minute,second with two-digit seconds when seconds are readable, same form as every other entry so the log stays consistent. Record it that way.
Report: 10,57
